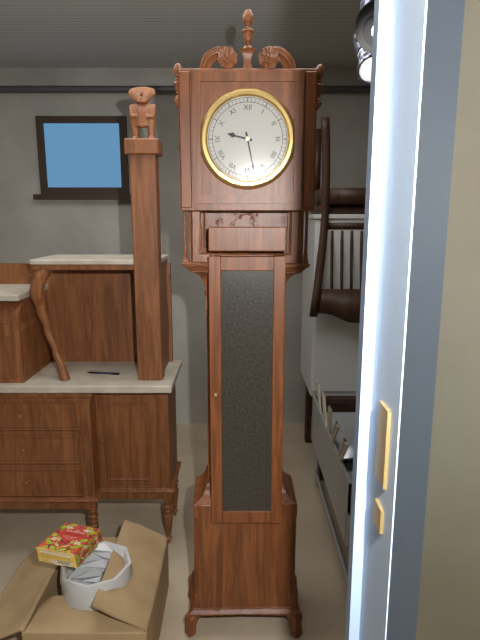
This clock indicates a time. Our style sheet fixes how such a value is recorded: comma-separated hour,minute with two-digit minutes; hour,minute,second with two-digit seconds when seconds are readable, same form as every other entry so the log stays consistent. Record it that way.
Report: 9,28
